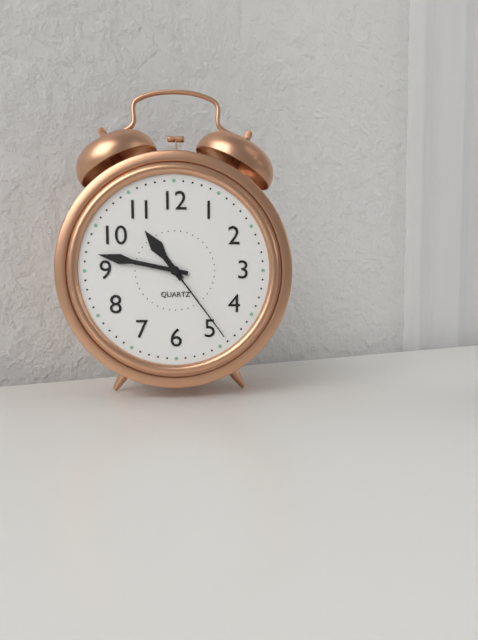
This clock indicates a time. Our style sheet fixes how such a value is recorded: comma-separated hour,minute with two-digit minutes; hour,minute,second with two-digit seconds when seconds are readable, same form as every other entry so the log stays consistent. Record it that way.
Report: 10,47,24
